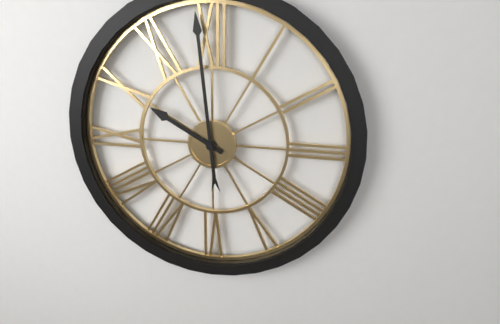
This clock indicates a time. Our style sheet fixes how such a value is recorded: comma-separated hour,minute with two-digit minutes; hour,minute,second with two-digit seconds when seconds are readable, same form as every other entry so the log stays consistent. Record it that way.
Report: 9,59
